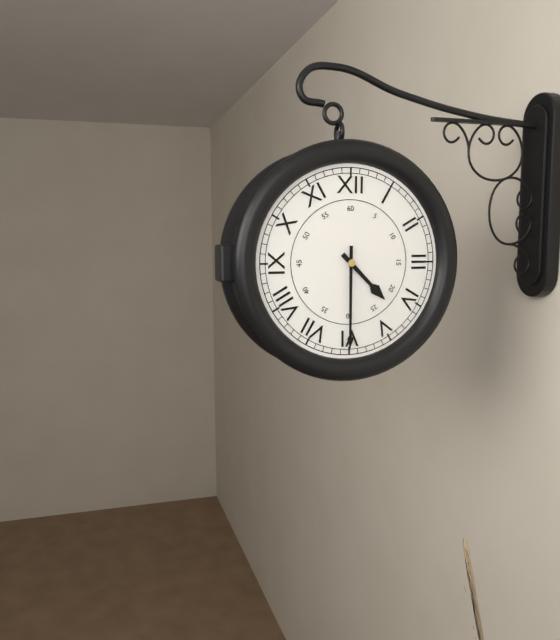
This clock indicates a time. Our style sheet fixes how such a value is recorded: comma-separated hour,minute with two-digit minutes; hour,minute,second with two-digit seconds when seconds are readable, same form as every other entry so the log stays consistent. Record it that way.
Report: 4,30
